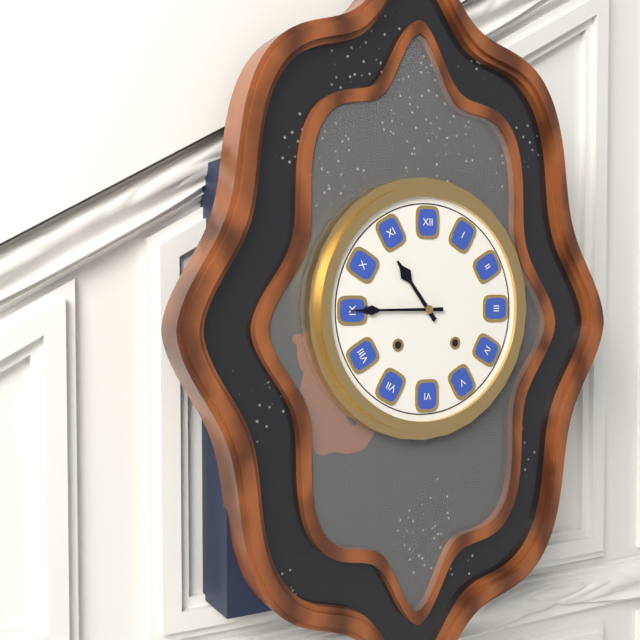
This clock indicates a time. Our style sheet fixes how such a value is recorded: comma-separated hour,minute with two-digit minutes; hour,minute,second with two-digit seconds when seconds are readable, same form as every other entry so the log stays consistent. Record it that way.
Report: 10,45
